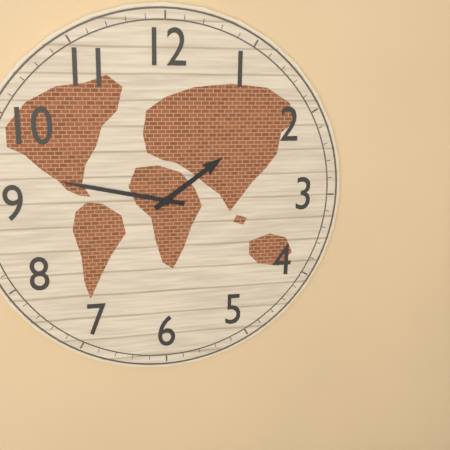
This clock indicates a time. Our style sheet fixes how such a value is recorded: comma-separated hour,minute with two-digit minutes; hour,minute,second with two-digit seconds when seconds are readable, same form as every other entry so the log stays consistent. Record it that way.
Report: 1,47
